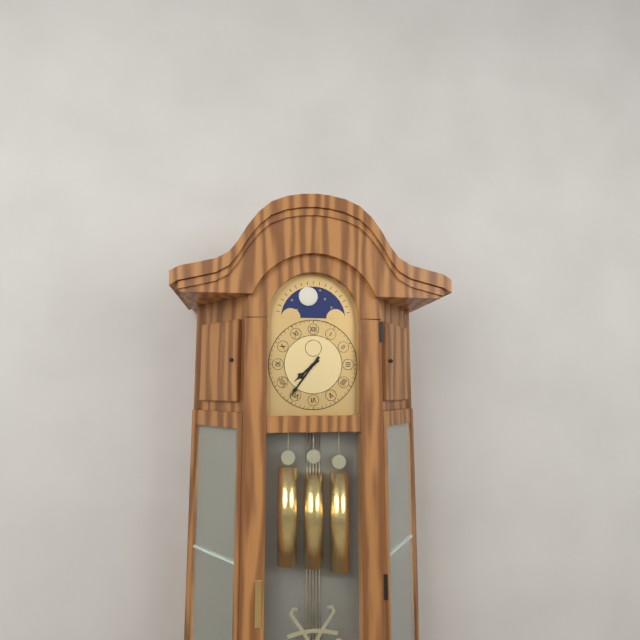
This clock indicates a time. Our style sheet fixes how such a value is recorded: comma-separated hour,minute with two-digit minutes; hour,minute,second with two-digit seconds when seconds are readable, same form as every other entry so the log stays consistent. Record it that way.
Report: 7,36
